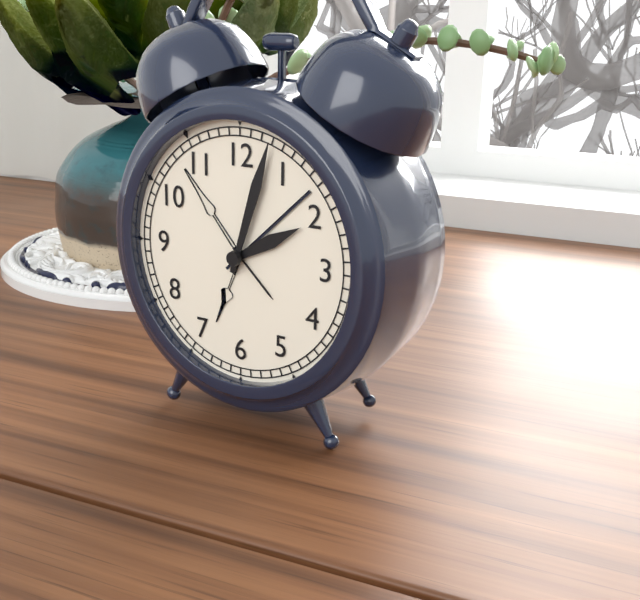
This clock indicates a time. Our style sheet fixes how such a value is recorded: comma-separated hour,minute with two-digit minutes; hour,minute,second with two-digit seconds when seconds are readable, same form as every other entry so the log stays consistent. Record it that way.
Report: 2,03
